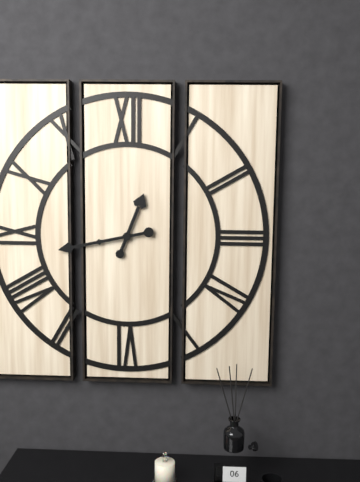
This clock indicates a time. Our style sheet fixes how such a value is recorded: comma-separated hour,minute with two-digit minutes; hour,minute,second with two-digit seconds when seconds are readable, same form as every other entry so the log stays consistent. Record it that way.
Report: 12,43
